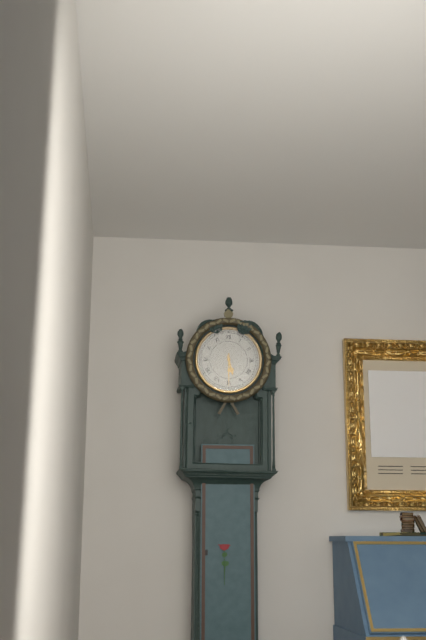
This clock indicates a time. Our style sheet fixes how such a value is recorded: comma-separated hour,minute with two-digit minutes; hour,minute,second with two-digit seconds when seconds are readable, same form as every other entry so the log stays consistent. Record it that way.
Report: 5,30
